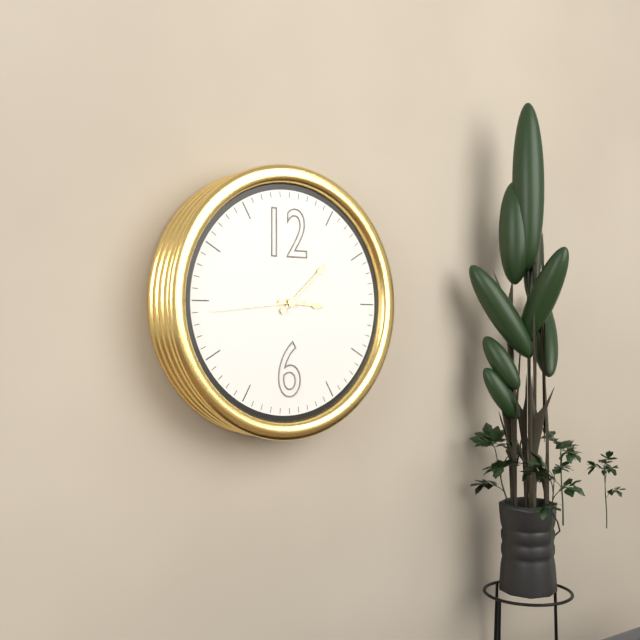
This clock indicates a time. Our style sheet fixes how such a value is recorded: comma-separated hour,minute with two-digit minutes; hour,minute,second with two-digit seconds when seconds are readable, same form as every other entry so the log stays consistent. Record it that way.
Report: 3,08,44
